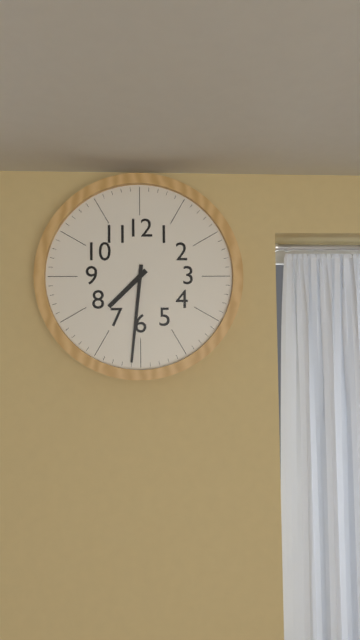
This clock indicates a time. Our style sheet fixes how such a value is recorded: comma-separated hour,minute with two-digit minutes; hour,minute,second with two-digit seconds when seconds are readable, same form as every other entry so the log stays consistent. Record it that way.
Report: 7,31
